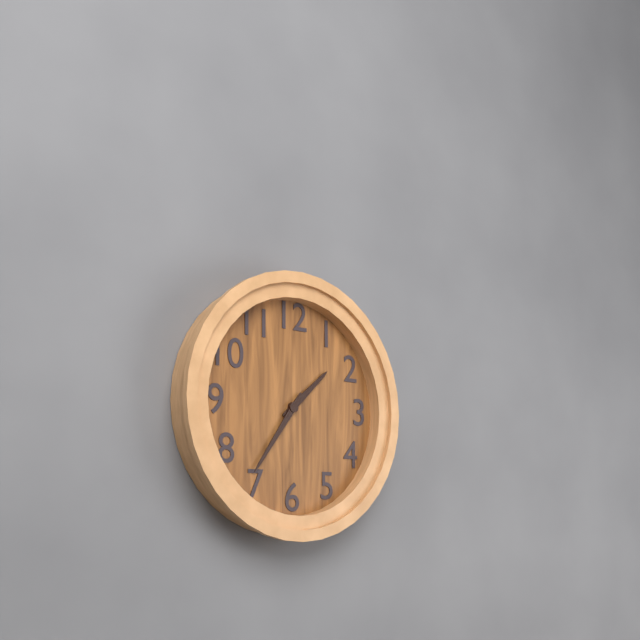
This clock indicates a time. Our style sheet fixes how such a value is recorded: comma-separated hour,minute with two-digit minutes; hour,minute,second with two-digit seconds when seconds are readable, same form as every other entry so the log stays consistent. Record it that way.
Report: 1,36
